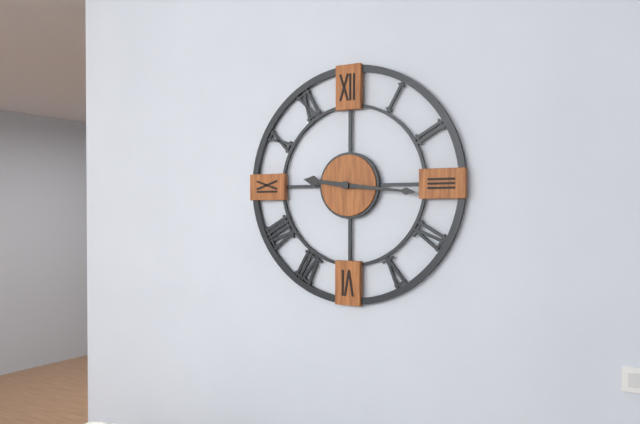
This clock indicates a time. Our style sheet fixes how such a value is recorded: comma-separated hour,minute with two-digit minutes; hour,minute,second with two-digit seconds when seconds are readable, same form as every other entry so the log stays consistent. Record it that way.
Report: 9,16
